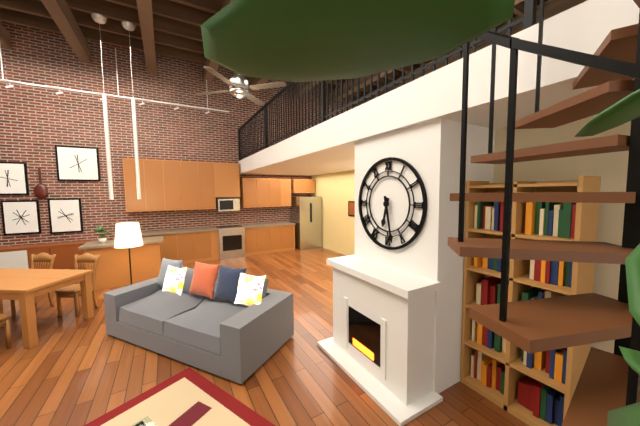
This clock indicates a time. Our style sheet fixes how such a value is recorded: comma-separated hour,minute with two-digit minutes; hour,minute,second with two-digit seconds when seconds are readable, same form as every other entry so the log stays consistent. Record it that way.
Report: 6,28
